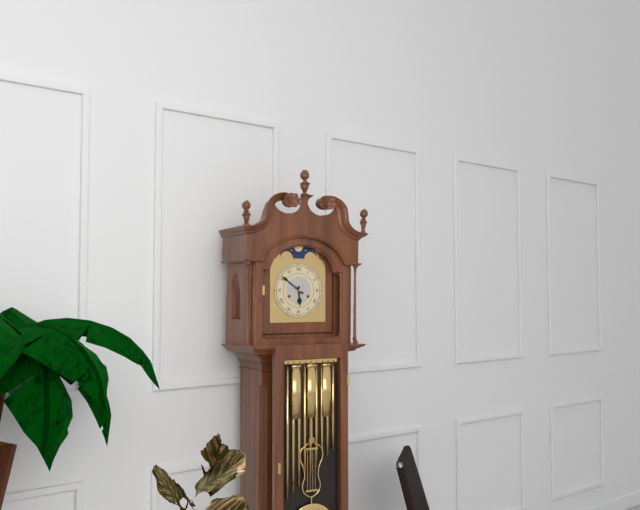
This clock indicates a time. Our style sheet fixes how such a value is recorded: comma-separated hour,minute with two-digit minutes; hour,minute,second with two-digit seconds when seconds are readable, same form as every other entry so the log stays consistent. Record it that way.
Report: 5,51
